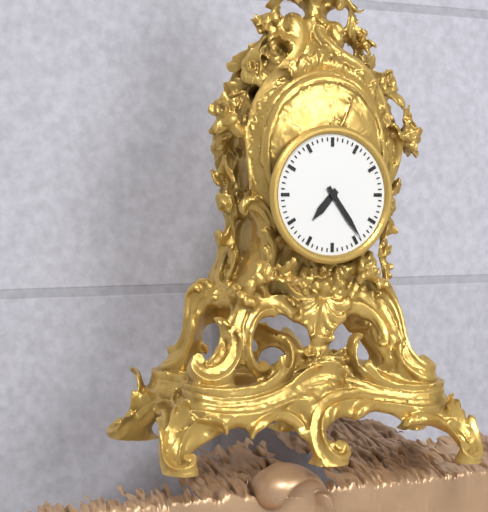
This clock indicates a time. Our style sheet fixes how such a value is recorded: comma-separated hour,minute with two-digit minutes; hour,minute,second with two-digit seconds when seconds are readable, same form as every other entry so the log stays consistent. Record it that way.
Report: 7,24
